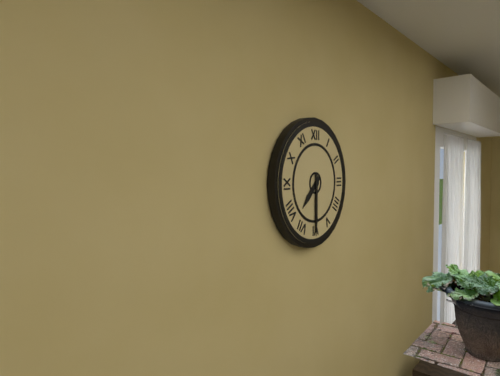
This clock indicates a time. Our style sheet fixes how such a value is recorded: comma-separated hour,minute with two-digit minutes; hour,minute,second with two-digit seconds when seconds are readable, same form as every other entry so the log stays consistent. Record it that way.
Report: 7,30
